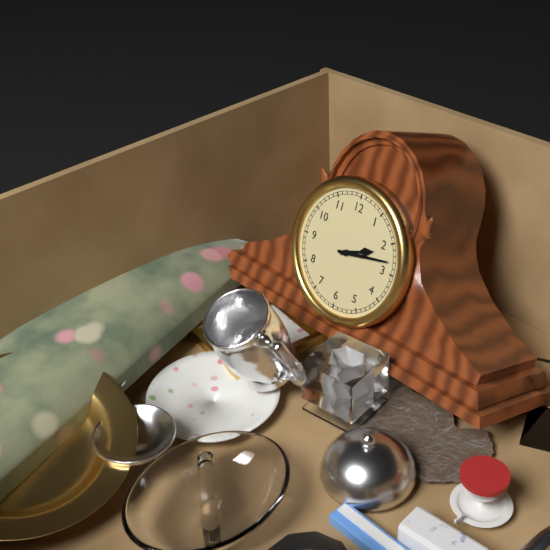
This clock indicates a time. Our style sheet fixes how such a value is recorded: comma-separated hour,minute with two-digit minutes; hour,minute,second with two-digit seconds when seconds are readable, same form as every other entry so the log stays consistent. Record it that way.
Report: 2,13
